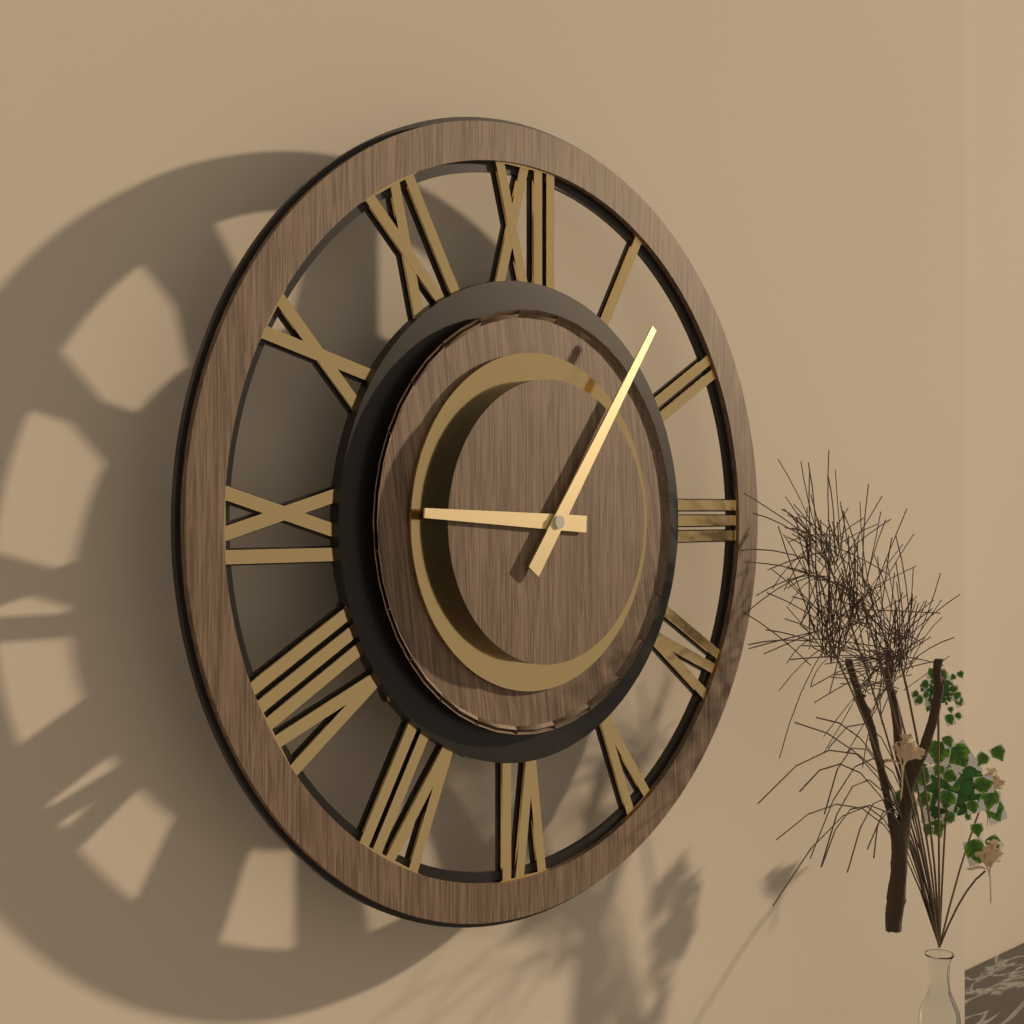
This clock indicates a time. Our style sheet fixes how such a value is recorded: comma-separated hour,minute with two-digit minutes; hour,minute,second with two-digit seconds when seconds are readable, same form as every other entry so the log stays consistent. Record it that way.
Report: 9,06
